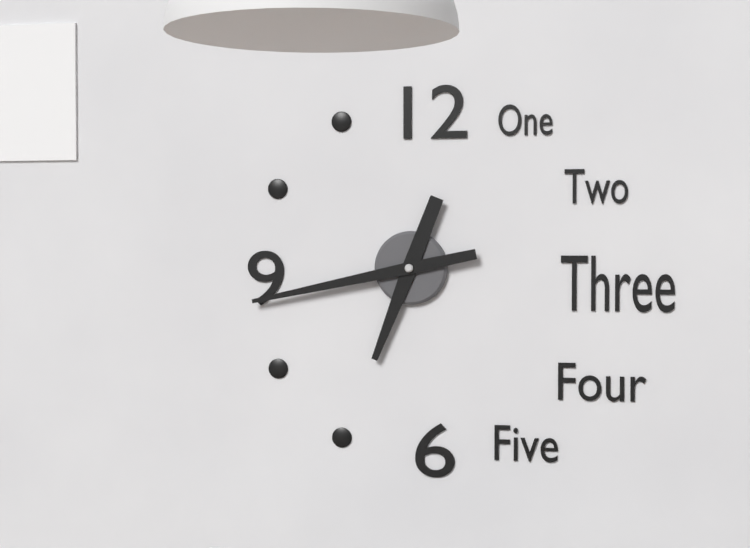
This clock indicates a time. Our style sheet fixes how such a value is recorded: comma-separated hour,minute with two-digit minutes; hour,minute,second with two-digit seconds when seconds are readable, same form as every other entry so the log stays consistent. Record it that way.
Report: 6,43
